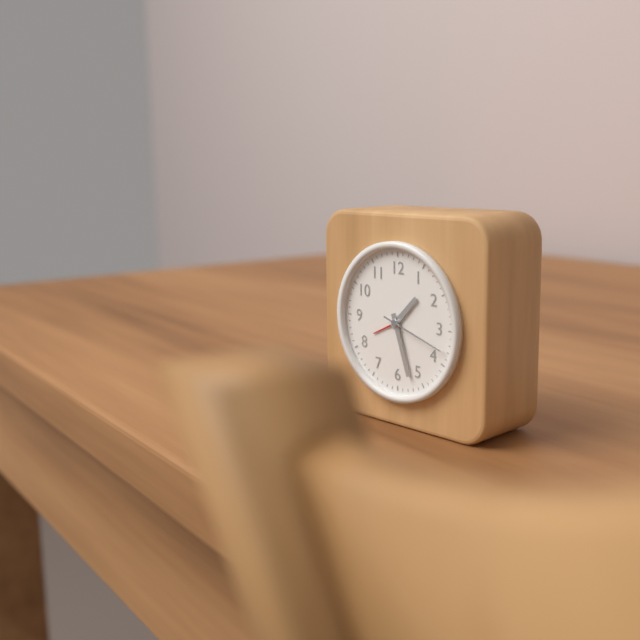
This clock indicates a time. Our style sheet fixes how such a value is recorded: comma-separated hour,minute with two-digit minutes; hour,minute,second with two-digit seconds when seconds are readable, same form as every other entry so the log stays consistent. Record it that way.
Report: 1,27,18
